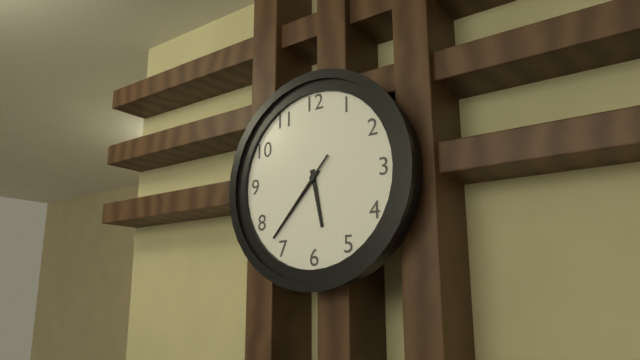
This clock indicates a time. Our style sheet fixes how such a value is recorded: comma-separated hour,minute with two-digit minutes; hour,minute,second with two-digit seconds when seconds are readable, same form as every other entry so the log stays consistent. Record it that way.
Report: 5,37,37
